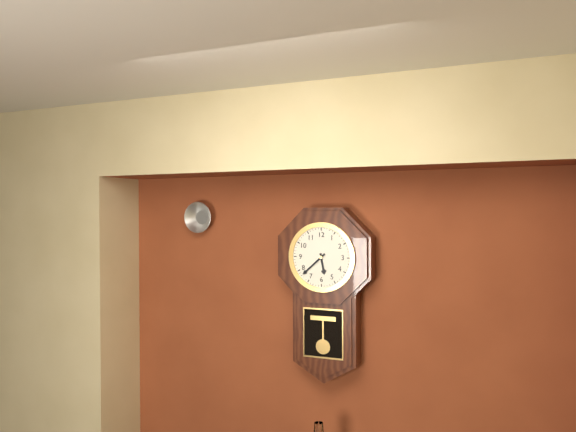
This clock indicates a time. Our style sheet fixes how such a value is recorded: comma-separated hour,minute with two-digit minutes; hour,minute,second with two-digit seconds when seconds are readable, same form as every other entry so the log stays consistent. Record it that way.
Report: 5,38
